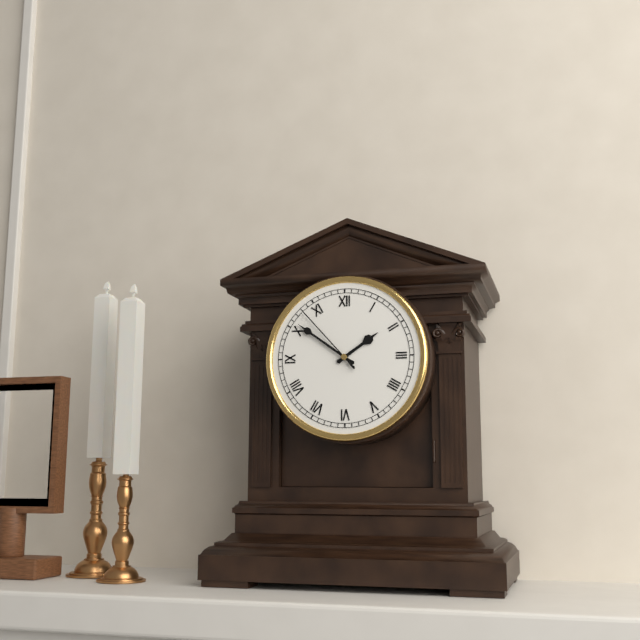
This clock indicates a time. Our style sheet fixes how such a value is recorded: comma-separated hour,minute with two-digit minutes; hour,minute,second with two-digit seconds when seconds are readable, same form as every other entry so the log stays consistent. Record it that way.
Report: 1,51,53
